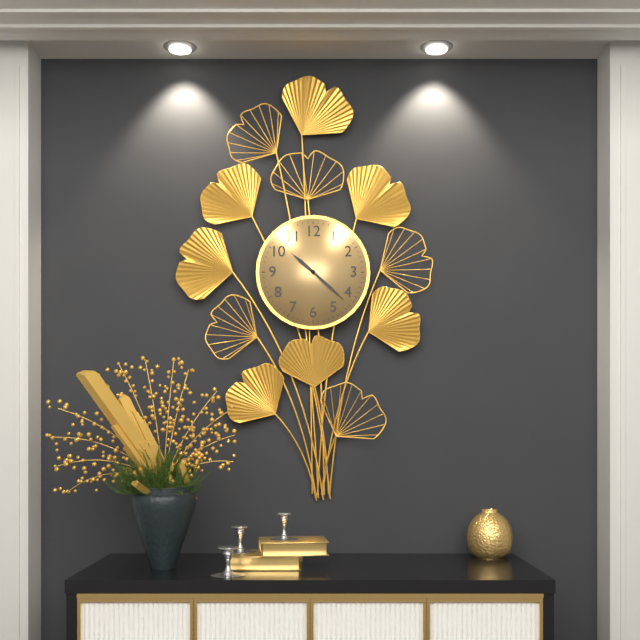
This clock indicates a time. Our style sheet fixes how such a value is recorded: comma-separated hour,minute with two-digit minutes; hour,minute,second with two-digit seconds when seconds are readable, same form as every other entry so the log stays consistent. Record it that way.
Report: 10,22
